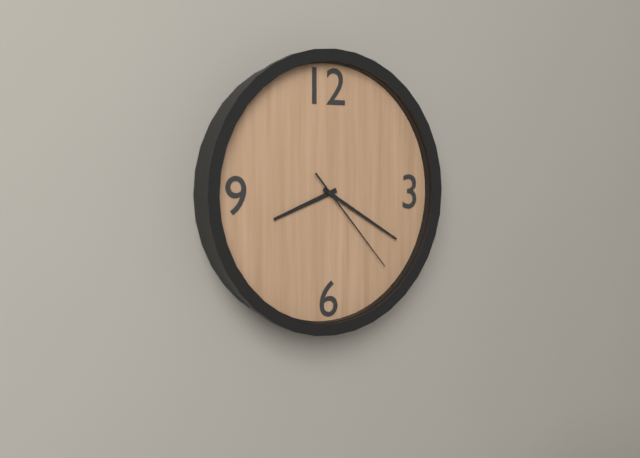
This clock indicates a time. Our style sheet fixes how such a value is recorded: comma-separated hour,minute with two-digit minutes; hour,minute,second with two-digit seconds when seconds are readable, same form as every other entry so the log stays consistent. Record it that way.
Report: 8,20,23
